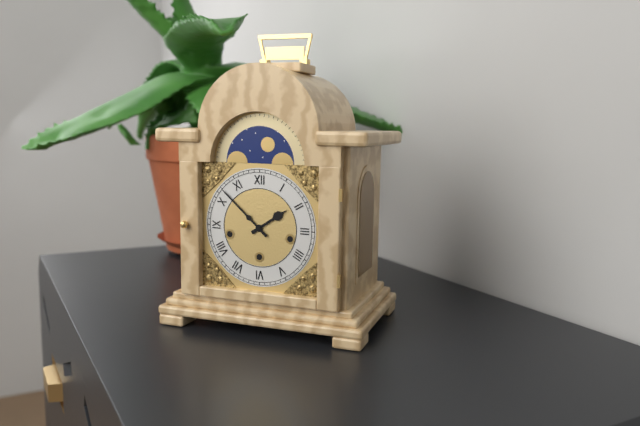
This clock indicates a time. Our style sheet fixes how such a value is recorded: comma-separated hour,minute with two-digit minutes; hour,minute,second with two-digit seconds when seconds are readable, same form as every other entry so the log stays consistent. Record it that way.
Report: 1,52
